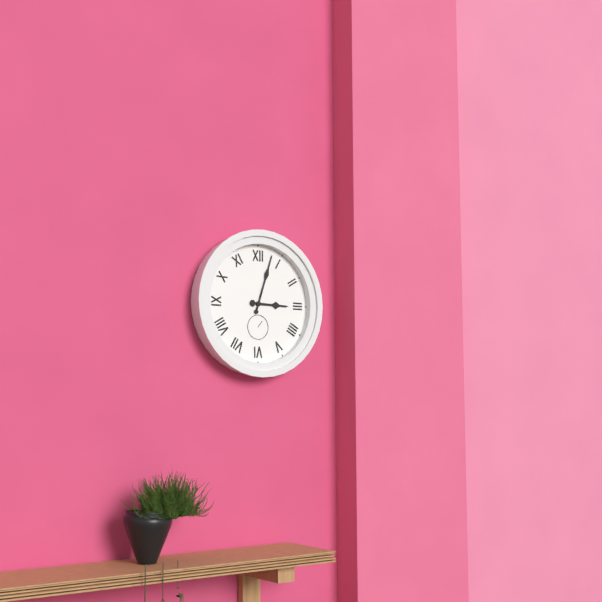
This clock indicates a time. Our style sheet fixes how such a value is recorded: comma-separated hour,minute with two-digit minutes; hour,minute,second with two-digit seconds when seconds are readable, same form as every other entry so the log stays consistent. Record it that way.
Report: 3,03
